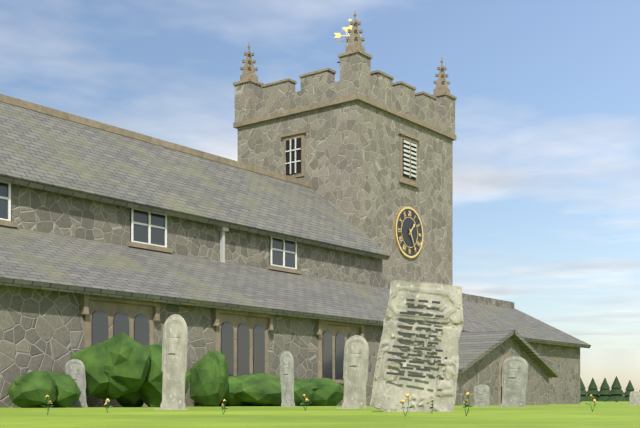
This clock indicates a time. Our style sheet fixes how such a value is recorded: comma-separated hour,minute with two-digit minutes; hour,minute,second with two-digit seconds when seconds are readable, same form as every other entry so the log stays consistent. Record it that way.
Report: 1,25
